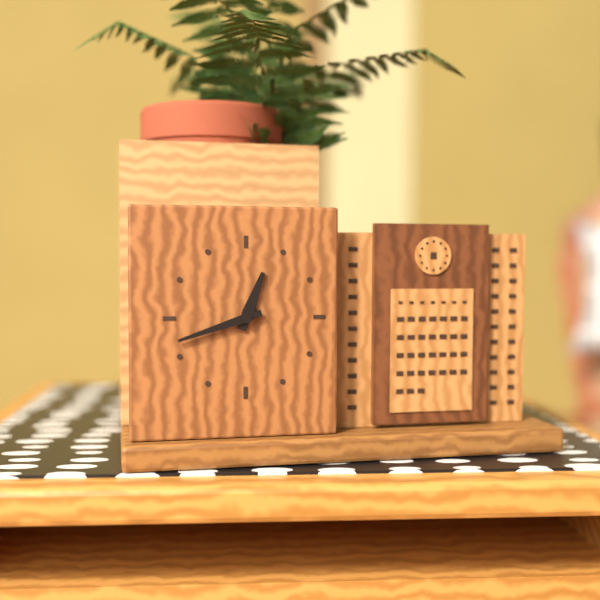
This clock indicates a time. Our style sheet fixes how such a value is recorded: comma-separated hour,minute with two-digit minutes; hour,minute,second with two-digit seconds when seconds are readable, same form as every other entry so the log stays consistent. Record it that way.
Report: 12,42
